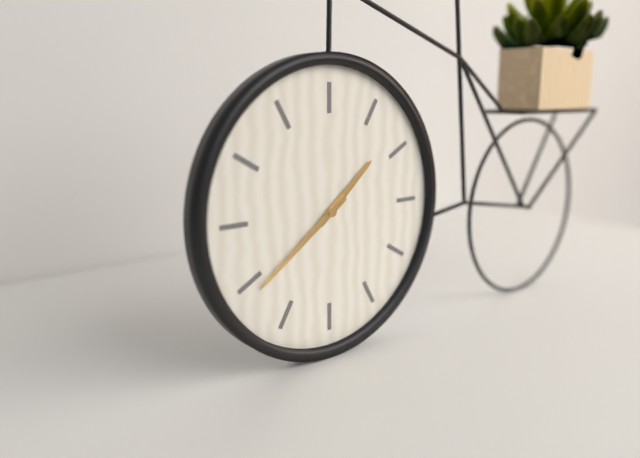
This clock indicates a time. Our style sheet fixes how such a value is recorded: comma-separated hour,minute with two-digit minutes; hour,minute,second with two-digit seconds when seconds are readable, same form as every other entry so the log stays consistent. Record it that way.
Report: 1,39
